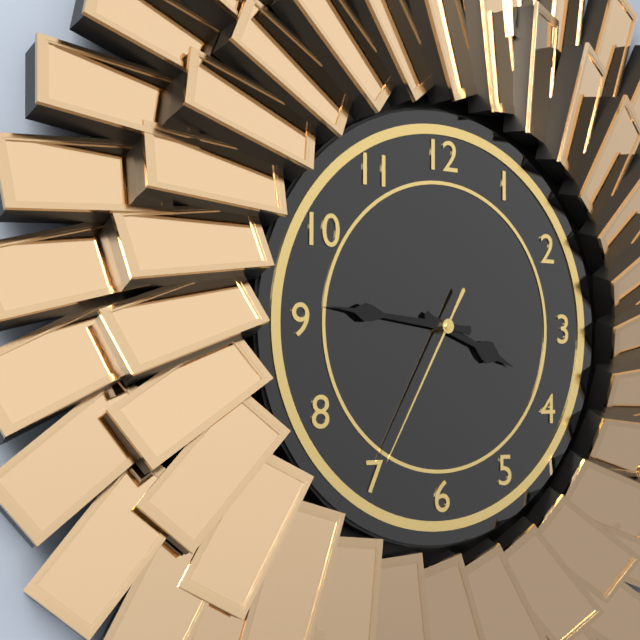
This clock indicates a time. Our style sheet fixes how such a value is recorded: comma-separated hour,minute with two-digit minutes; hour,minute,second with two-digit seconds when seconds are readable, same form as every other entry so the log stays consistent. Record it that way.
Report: 3,46,35
